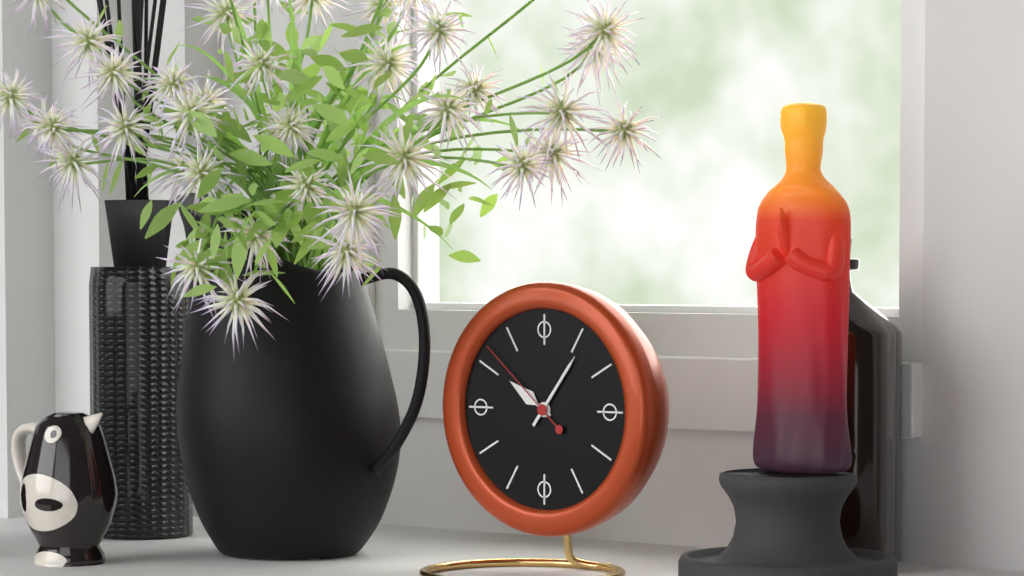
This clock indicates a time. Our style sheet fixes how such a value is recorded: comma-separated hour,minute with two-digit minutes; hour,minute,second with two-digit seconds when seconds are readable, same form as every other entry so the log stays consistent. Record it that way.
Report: 10,06,52
